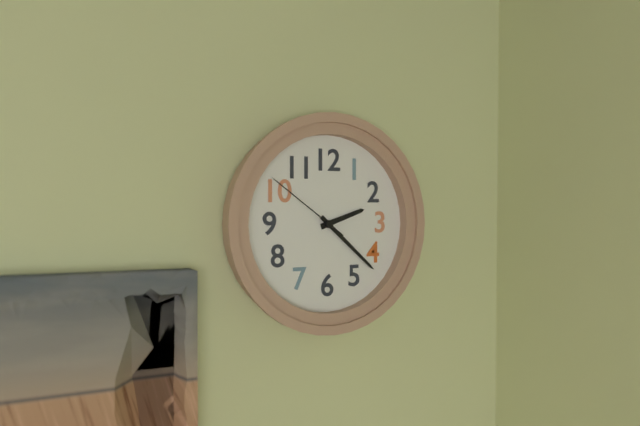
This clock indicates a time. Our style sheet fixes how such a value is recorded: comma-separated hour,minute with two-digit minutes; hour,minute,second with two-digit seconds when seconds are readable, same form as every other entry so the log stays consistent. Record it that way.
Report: 2,22,51
